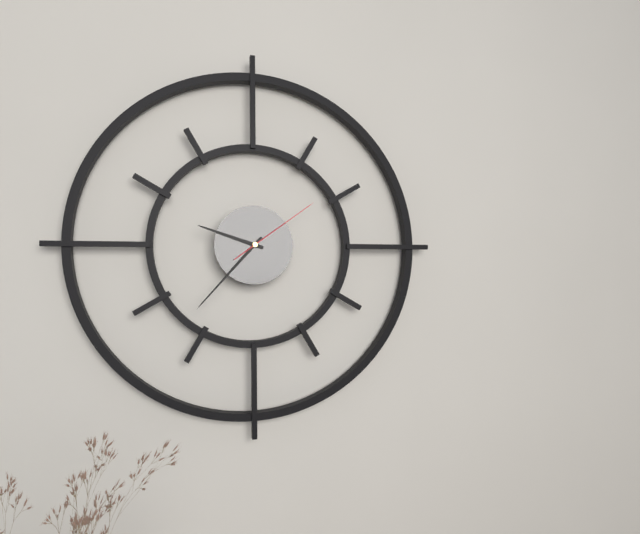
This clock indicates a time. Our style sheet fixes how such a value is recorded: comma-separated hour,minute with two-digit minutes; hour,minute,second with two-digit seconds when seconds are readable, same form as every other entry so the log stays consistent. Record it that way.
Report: 9,37,09
